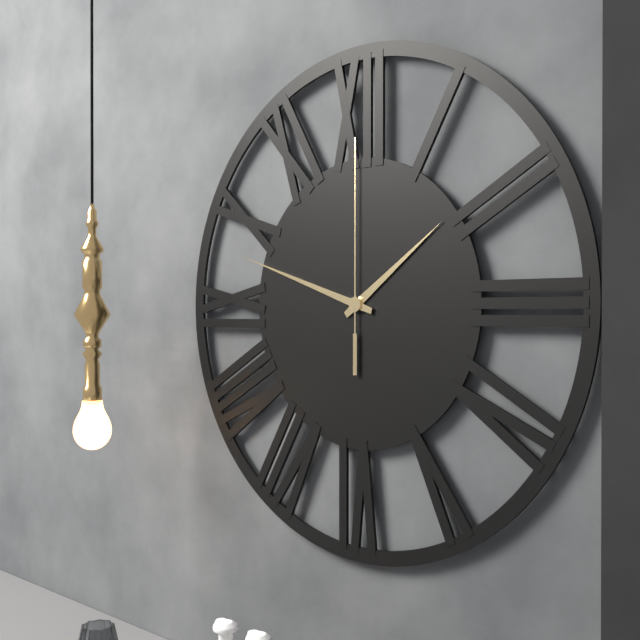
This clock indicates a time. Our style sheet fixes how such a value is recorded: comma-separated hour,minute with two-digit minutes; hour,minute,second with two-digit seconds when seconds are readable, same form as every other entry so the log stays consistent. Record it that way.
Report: 1,48,00
